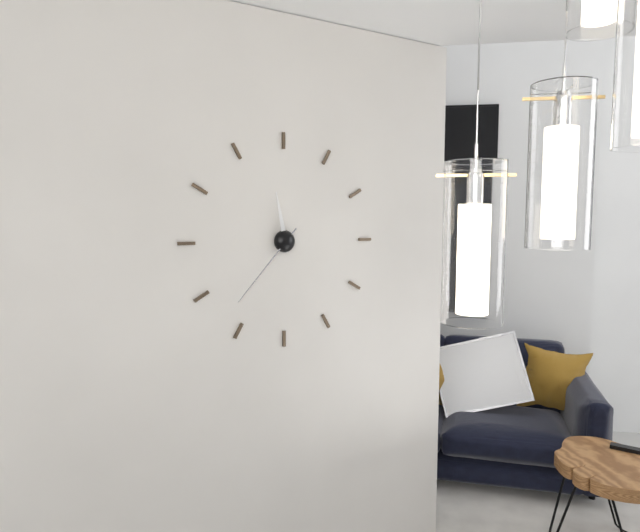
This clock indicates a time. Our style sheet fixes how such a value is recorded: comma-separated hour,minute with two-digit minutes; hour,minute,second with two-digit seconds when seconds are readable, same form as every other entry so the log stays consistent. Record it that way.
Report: 11,37
